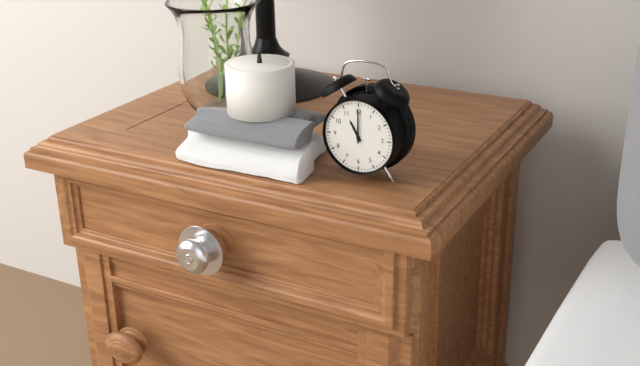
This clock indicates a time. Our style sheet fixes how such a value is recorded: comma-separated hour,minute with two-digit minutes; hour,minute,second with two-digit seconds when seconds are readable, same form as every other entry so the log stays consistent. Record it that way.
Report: 11,00
